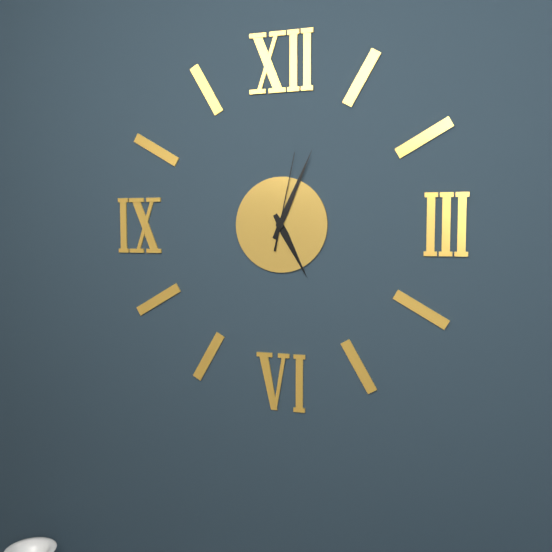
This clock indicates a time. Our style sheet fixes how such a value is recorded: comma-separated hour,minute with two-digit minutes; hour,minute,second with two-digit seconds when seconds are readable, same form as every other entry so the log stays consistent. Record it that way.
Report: 5,04,02
